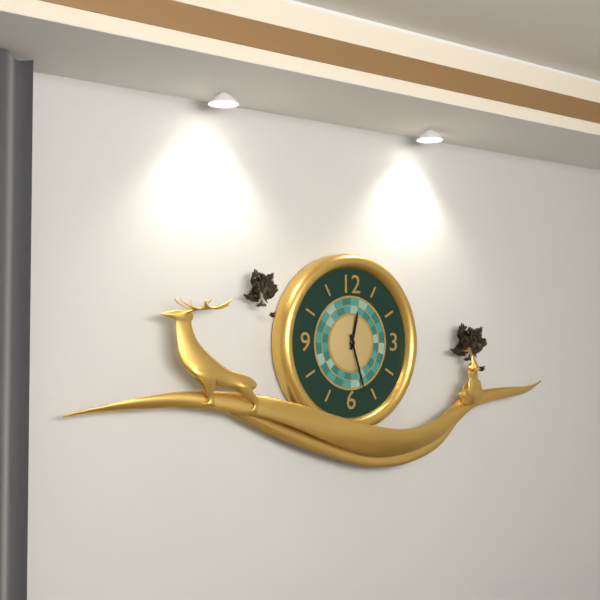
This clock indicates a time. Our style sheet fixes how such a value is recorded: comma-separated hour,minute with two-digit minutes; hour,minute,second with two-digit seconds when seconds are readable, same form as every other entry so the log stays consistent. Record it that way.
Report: 12,27
